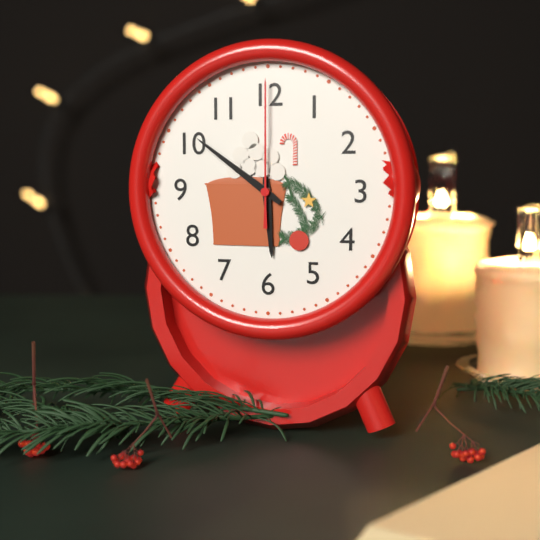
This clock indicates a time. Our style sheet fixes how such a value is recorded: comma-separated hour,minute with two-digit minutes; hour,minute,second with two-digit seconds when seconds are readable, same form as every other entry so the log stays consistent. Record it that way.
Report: 5,51,00
